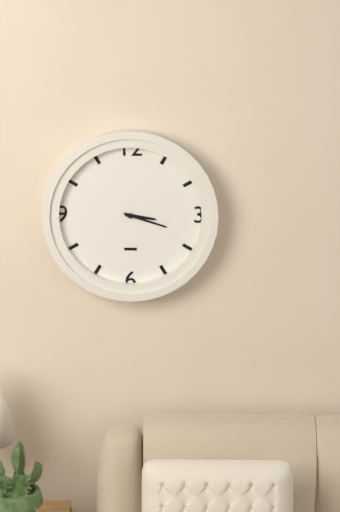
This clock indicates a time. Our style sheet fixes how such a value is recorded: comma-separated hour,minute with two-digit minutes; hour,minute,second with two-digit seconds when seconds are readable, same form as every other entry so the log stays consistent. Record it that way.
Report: 3,18
